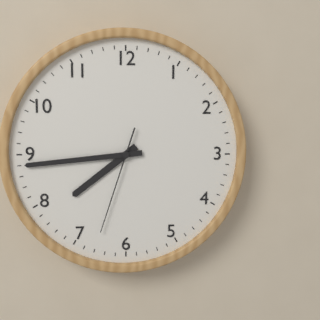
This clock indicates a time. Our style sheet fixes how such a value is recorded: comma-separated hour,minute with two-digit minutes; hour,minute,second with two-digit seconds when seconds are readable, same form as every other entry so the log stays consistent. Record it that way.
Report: 7,44,33
